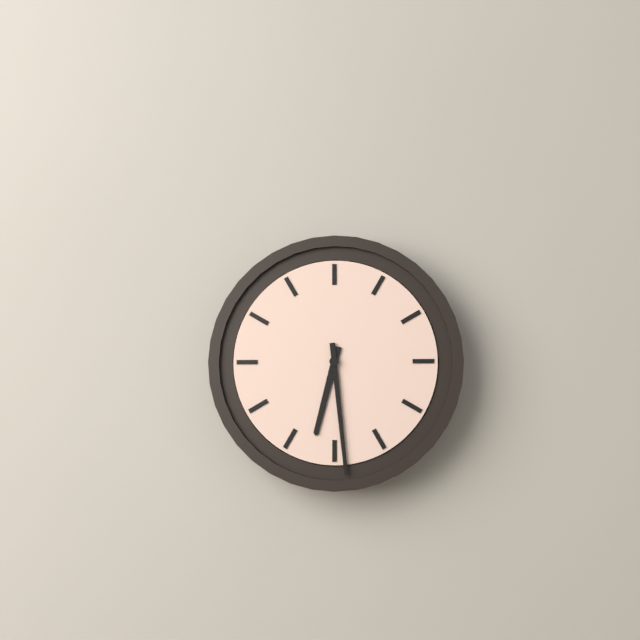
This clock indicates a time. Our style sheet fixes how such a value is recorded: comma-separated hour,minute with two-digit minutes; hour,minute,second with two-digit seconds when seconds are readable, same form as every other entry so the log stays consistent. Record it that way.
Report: 6,29
